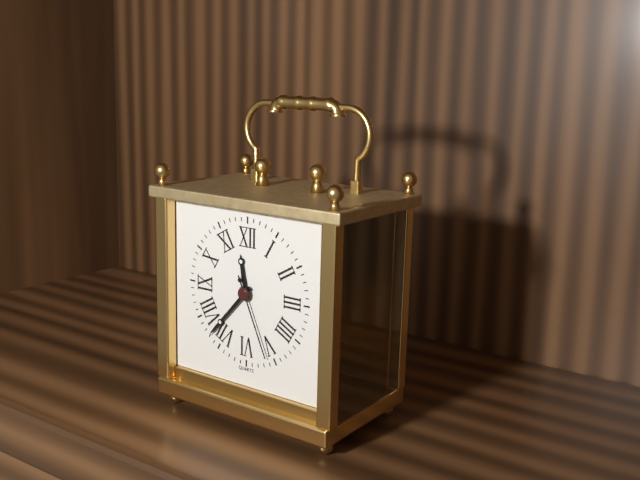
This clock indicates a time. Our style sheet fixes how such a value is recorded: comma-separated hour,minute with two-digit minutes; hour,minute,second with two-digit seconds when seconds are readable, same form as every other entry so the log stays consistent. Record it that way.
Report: 11,37,26
